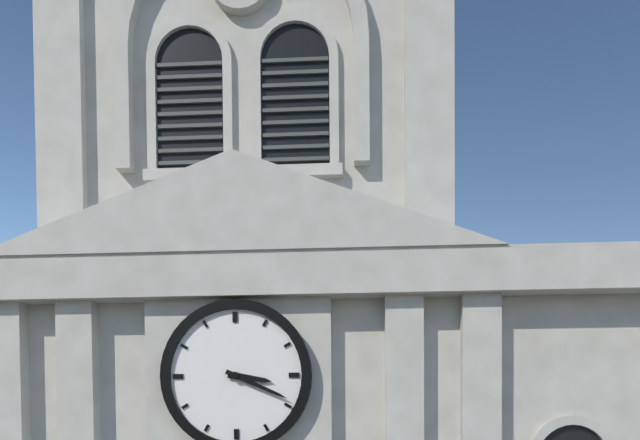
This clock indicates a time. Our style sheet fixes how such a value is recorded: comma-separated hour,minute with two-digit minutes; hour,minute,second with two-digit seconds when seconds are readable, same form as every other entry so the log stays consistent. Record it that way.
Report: 3,19
